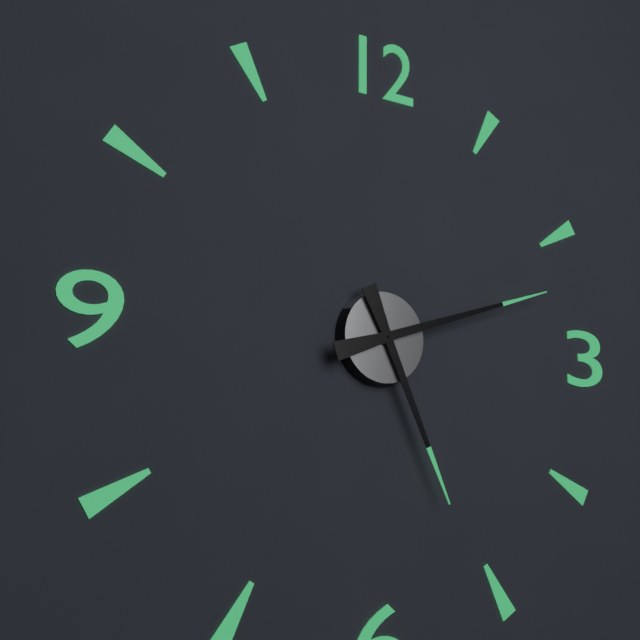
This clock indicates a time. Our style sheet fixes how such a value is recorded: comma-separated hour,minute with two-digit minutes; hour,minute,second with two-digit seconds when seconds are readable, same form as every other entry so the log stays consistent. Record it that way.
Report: 5,12
